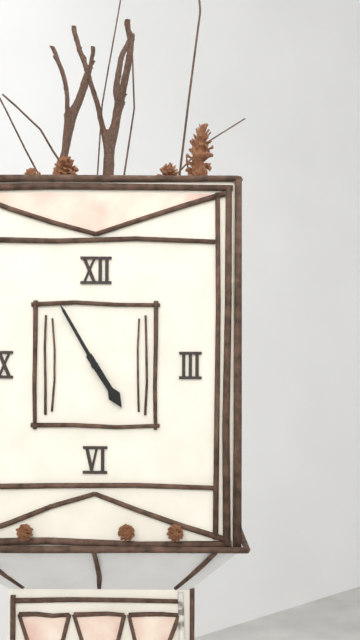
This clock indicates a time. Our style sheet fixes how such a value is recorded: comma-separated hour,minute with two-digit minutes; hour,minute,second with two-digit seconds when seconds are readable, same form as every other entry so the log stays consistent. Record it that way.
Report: 4,55
